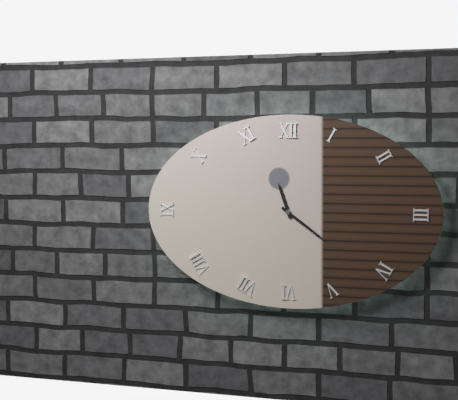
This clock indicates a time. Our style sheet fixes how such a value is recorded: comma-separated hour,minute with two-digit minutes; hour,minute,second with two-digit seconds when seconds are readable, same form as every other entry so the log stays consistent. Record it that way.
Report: 11,21
